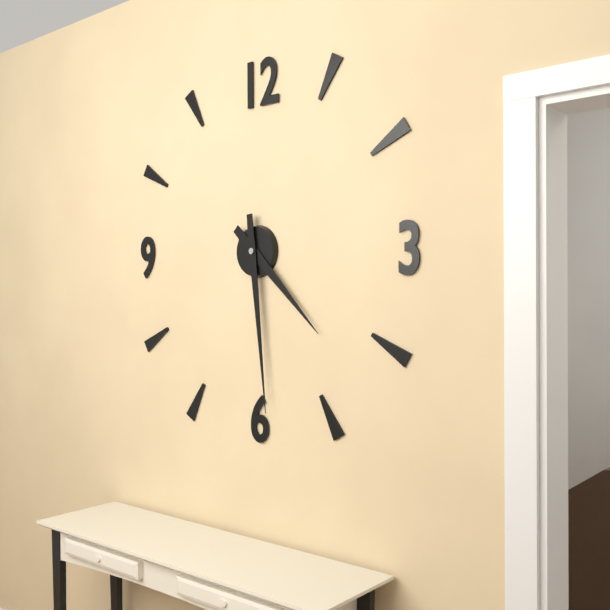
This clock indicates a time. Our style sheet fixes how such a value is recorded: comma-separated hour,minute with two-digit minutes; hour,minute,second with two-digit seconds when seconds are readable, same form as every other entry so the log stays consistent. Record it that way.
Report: 4,29
